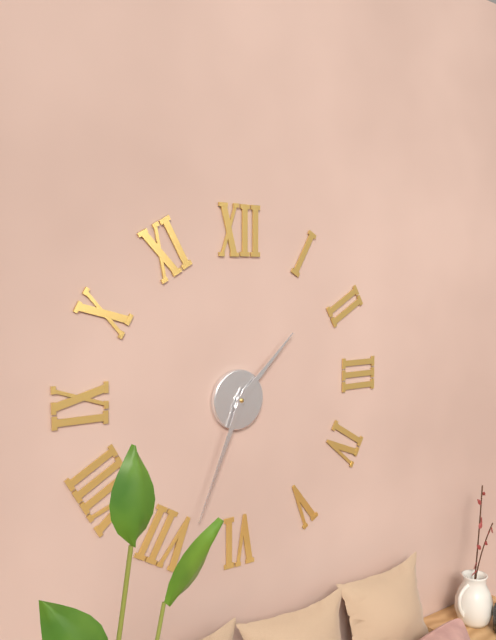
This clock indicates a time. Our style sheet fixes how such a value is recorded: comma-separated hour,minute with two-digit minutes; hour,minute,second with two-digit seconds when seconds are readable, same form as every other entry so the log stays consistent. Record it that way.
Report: 1,34
